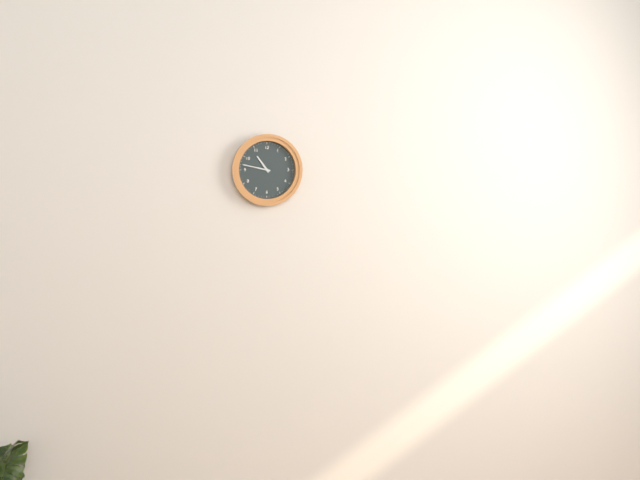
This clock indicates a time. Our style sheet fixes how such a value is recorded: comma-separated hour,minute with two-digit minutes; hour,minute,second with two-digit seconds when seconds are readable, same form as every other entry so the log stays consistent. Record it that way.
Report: 10,47
